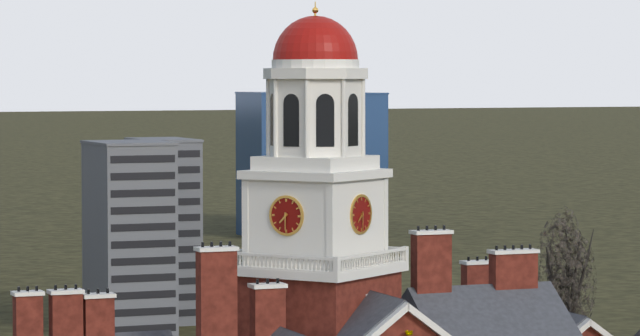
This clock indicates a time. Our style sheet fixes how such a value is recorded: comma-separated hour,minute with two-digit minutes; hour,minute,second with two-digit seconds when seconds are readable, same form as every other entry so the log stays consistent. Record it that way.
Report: 7,30
